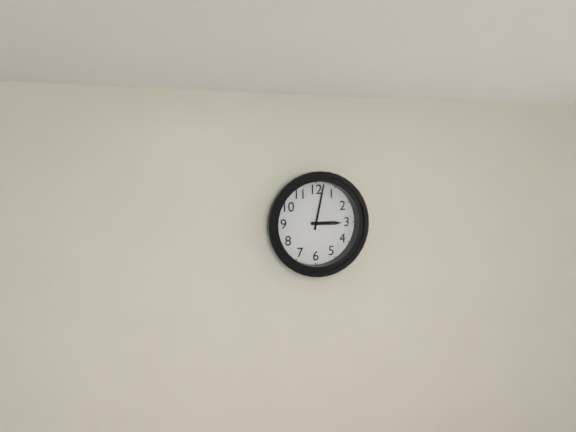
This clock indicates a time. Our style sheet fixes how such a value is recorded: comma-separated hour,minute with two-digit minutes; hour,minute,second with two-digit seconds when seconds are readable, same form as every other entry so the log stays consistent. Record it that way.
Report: 3,02
